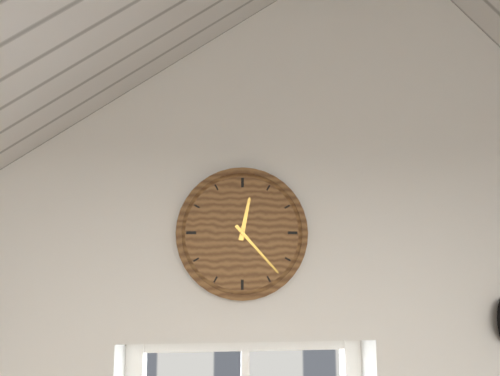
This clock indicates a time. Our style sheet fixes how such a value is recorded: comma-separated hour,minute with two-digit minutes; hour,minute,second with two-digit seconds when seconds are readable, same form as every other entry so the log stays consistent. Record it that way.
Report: 12,23
